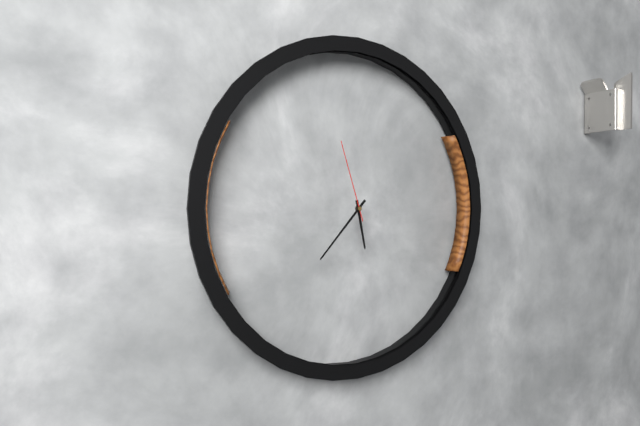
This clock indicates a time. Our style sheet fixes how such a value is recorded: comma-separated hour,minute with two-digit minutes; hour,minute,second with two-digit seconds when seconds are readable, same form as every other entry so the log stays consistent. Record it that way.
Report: 5,37,57
